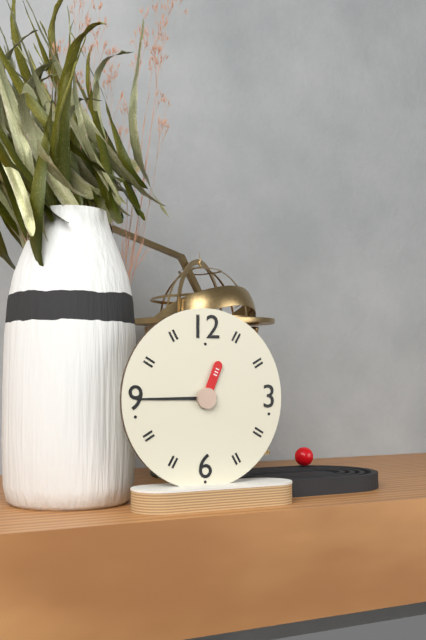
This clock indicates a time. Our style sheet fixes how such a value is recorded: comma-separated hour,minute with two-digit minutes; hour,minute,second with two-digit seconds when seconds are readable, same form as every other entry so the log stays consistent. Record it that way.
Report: 12,45
